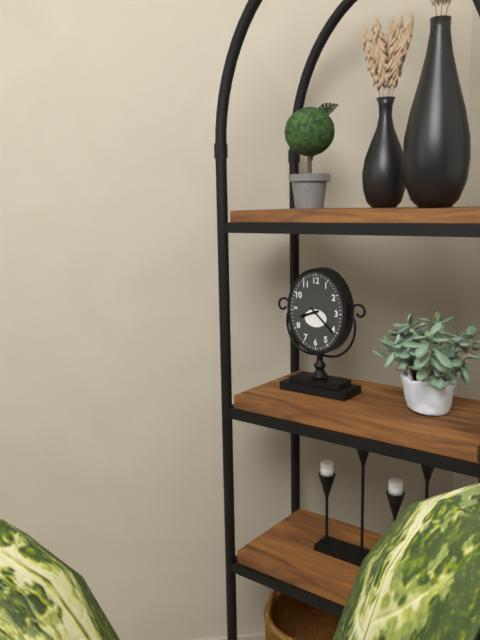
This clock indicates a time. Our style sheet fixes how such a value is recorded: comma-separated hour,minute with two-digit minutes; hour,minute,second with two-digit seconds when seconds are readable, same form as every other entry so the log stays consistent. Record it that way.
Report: 8,22
